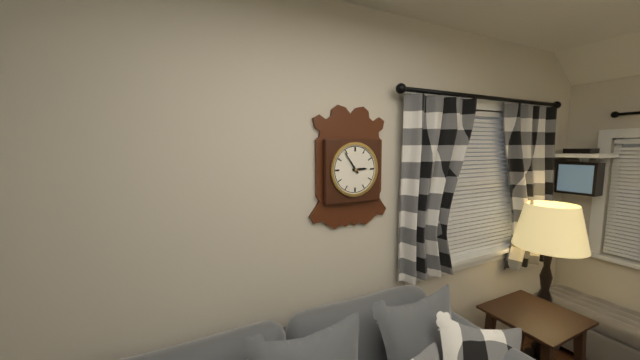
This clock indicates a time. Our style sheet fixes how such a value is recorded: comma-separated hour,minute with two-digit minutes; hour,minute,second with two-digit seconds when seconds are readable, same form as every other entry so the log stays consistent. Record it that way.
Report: 2,54
